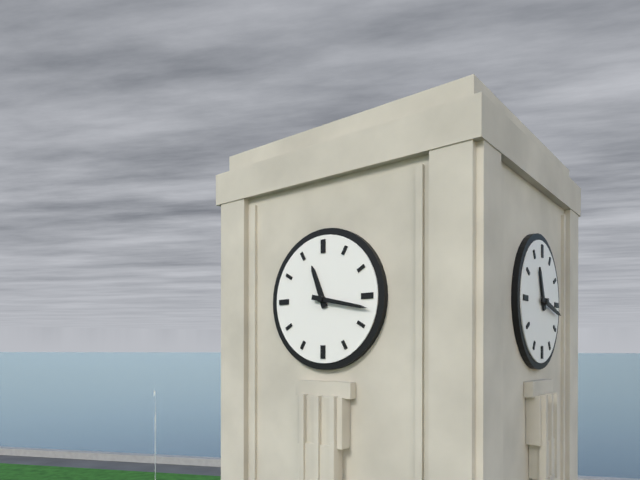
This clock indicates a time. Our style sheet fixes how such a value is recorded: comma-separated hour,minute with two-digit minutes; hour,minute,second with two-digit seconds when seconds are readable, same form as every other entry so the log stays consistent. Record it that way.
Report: 11,17
